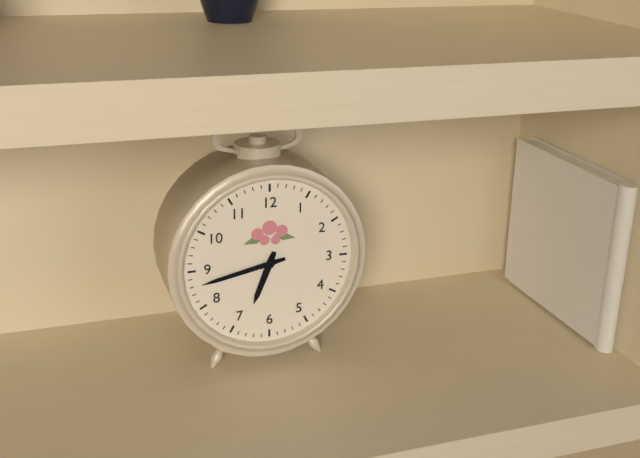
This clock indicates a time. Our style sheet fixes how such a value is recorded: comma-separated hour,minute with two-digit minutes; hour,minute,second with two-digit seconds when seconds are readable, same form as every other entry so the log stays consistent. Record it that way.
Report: 6,43
